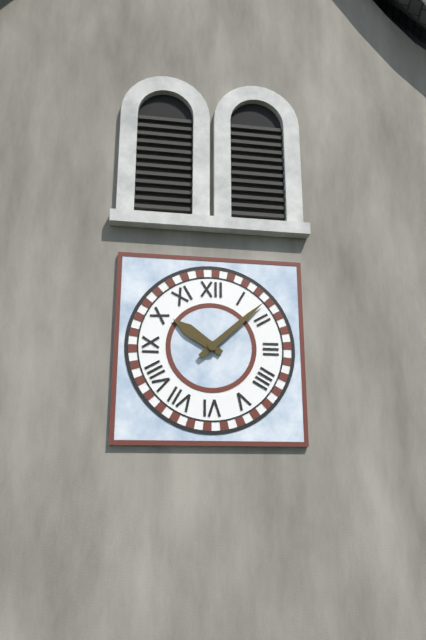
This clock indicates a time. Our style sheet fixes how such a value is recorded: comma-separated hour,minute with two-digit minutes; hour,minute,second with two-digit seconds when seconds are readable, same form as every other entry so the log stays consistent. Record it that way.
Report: 10,08
